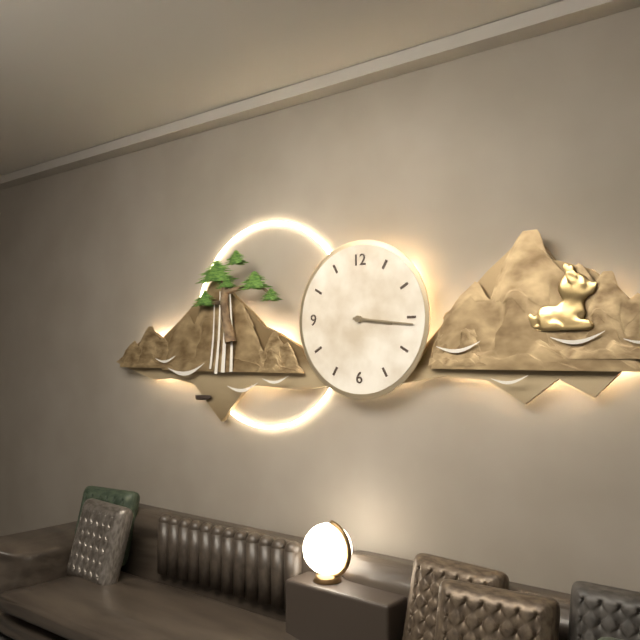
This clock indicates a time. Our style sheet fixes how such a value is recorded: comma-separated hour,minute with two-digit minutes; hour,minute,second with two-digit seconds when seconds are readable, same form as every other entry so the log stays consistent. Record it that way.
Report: 3,16
